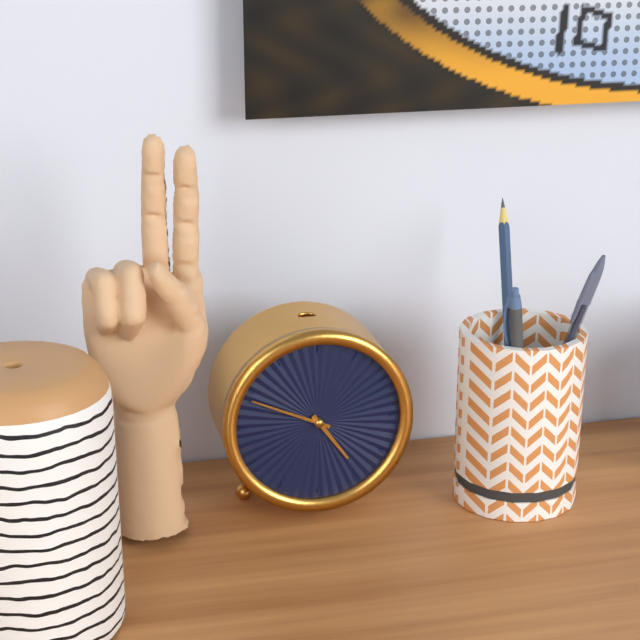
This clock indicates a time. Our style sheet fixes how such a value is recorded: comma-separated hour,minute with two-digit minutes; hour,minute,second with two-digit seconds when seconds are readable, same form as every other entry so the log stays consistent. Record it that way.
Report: 4,49
